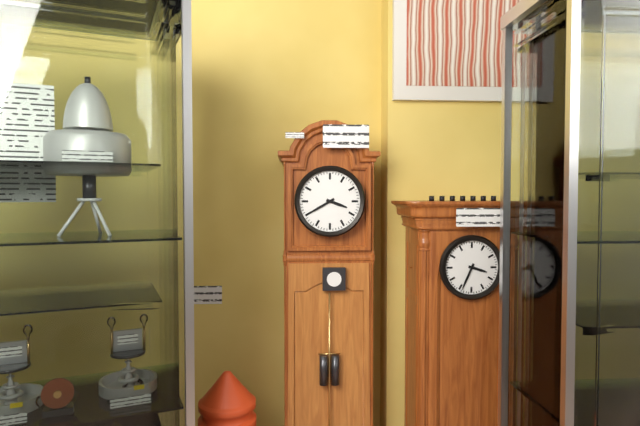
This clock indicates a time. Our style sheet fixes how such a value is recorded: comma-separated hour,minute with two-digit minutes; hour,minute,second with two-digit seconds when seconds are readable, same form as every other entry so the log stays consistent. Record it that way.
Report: 3,40
